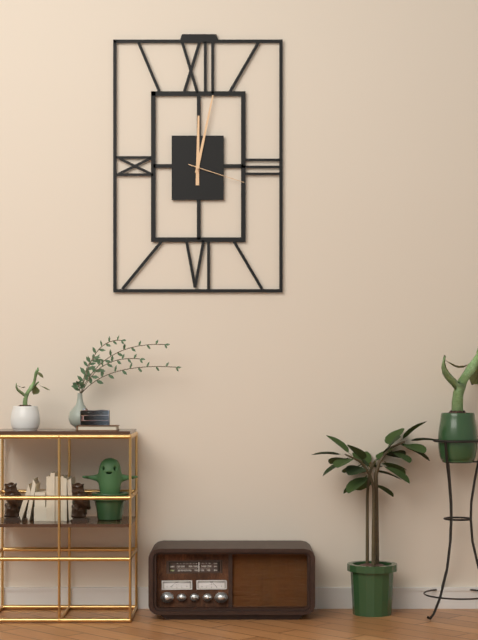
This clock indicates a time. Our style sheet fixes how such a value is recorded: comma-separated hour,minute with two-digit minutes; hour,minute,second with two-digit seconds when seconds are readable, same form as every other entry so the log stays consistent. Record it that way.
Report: 12,02,18
